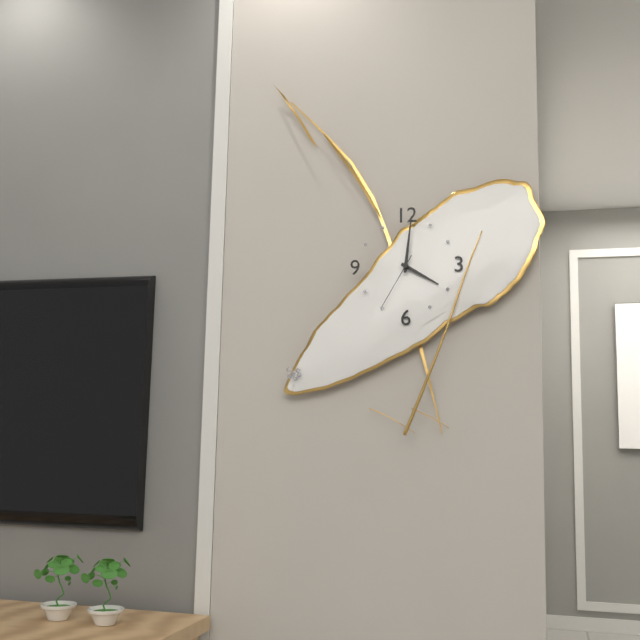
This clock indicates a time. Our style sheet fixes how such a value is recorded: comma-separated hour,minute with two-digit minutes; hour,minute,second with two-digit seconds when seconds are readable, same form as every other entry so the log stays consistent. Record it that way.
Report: 4,01,35
